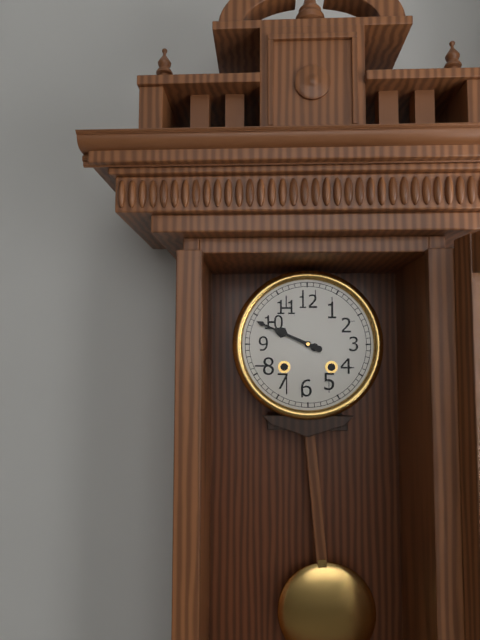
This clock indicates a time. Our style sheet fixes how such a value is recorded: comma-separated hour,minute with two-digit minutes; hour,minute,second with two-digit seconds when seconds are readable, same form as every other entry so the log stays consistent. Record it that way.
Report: 9,49
